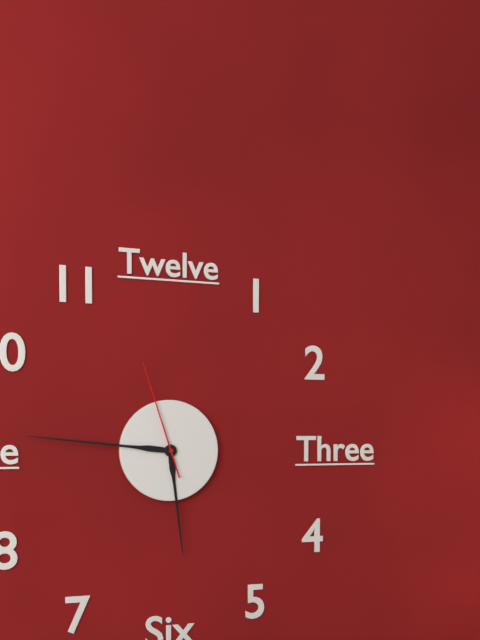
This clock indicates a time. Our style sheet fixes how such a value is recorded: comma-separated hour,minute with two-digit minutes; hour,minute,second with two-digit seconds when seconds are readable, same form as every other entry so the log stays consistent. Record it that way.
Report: 5,46,57
